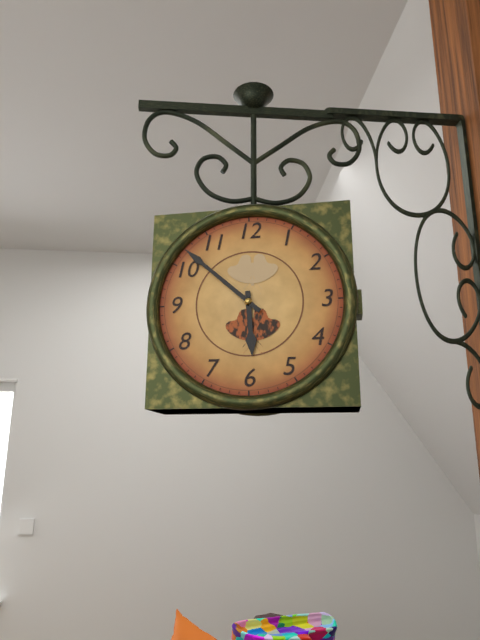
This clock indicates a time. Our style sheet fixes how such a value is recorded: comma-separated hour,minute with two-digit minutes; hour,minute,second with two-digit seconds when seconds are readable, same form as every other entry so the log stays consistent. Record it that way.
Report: 5,52
